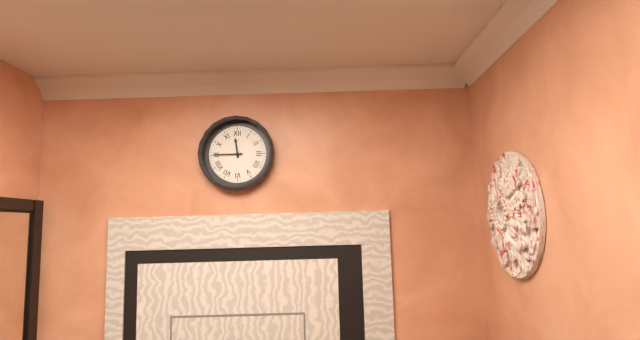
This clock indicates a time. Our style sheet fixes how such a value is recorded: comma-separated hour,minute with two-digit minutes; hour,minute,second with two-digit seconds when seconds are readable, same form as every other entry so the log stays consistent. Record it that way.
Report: 11,45
